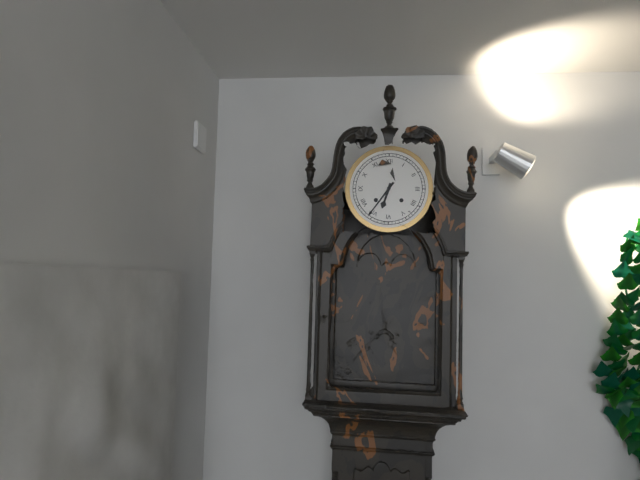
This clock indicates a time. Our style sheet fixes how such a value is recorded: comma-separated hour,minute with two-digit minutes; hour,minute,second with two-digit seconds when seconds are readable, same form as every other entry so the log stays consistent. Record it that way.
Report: 6,36
